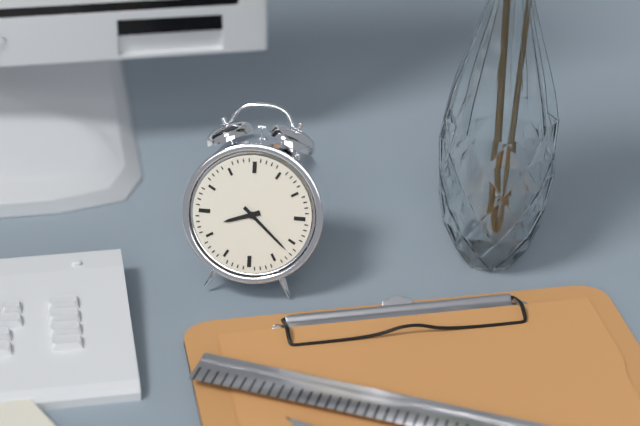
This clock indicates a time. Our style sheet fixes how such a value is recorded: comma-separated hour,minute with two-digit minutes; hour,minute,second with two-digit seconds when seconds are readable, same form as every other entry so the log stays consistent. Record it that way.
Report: 8,22
